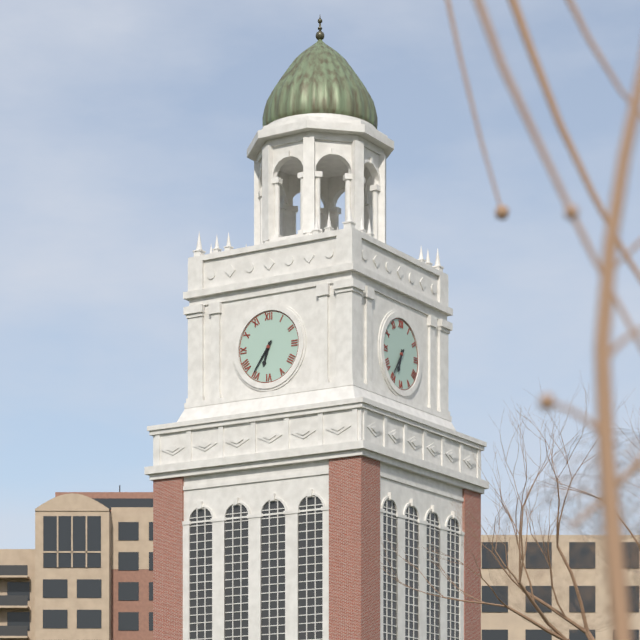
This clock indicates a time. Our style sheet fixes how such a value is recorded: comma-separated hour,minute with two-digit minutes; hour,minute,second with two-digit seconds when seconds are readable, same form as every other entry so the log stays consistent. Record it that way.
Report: 6,36
